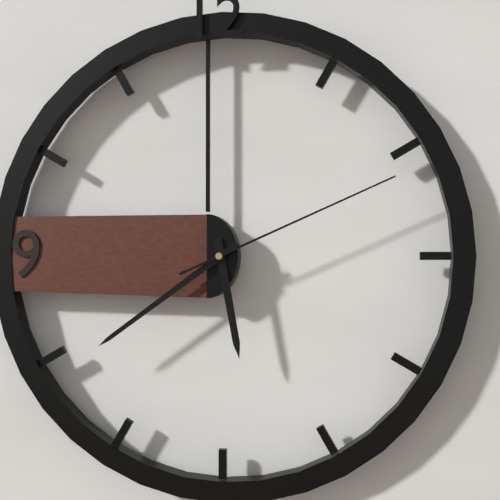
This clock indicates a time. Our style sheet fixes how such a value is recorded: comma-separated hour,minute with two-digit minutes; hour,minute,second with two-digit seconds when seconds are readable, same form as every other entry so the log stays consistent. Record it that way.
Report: 5,39,11
